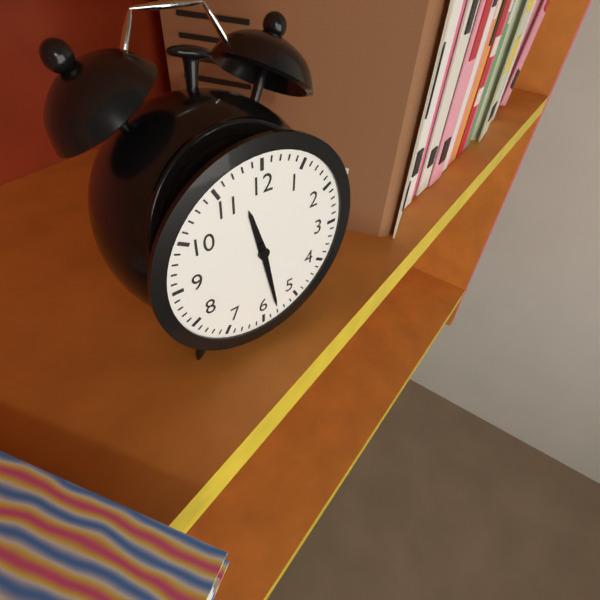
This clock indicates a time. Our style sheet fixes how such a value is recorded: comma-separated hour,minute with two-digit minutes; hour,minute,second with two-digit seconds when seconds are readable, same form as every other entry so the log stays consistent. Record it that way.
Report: 11,28
